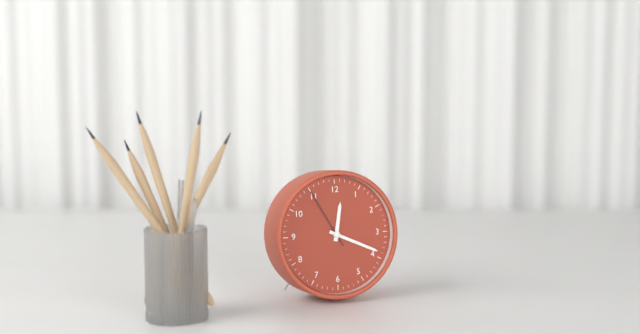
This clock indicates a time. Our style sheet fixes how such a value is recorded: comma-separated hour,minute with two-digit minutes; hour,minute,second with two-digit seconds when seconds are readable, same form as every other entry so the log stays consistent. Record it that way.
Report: 12,19,55
